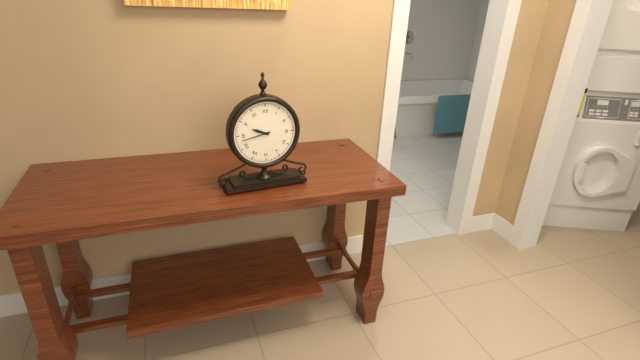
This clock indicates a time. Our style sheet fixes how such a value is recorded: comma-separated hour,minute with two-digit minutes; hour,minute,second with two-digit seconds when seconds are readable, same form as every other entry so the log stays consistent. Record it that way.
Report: 9,43
